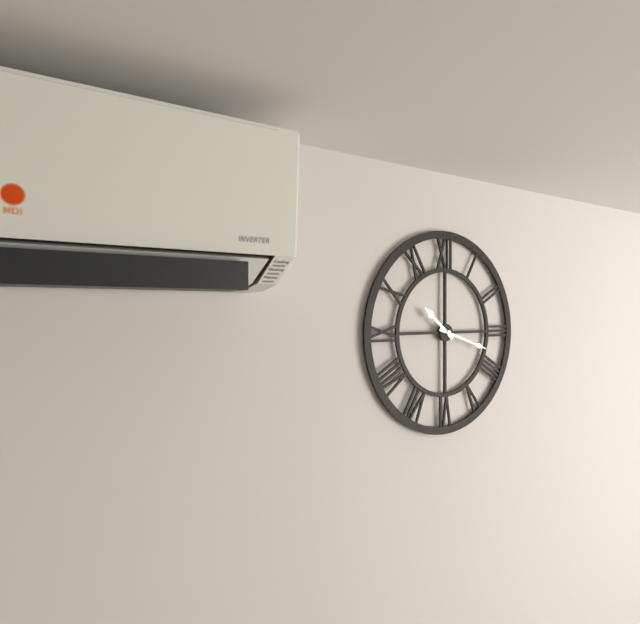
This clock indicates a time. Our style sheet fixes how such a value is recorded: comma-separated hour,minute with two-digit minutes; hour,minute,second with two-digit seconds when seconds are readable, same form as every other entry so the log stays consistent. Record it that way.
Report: 10,18
